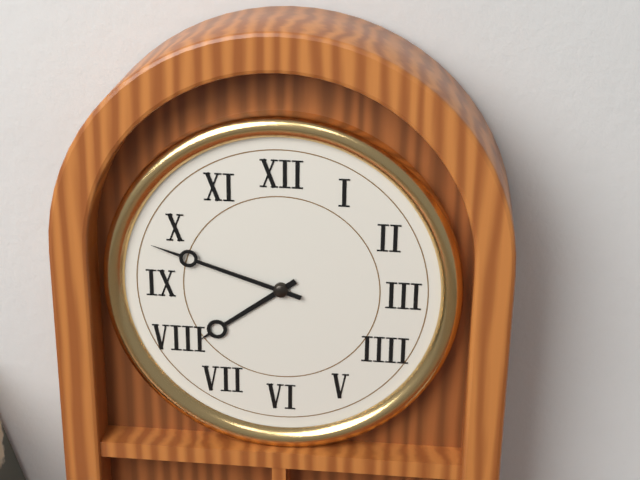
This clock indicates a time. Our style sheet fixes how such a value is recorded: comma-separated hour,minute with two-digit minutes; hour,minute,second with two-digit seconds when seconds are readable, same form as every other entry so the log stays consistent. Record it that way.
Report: 7,48
